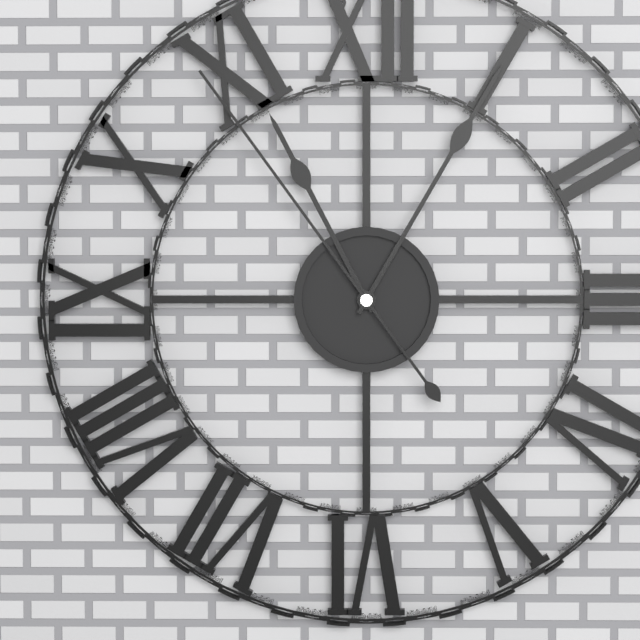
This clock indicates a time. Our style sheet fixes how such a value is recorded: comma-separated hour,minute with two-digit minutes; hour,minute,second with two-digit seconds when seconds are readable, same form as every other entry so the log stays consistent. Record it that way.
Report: 11,05,54
